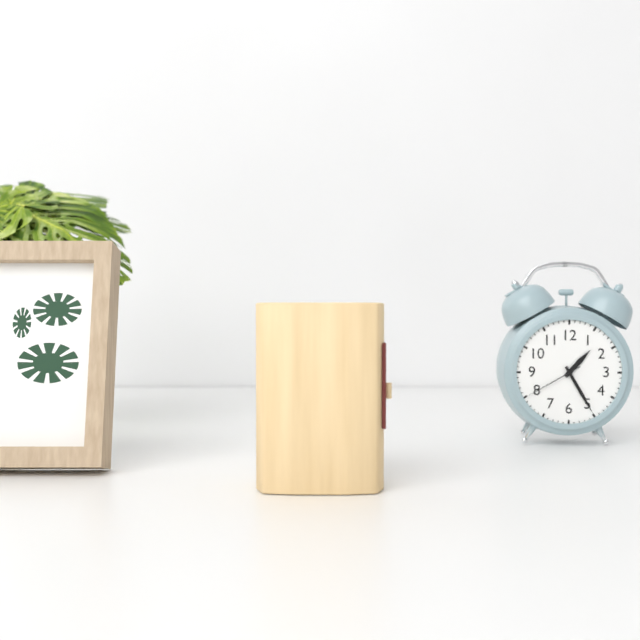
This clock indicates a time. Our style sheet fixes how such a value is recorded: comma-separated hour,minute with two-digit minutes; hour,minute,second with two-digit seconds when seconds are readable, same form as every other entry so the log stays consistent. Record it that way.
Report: 1,25,40
